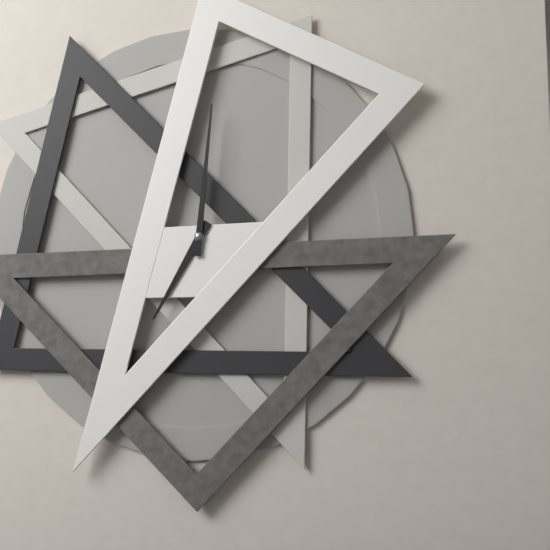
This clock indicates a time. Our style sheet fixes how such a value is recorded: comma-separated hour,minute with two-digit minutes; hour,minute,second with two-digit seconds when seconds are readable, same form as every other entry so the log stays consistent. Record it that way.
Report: 7,01
